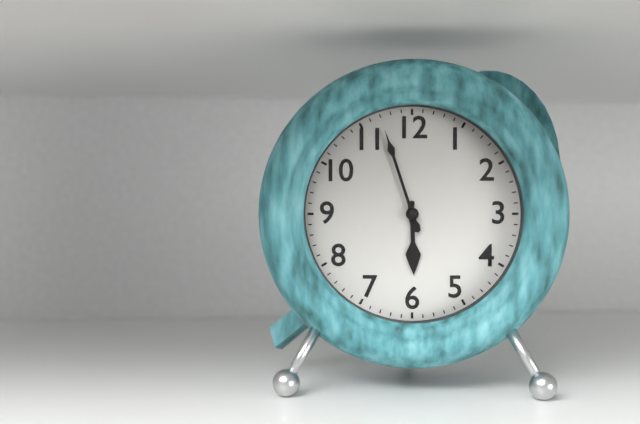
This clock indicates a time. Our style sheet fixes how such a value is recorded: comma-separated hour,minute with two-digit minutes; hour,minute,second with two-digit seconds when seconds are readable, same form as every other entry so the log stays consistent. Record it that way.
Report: 5,57
